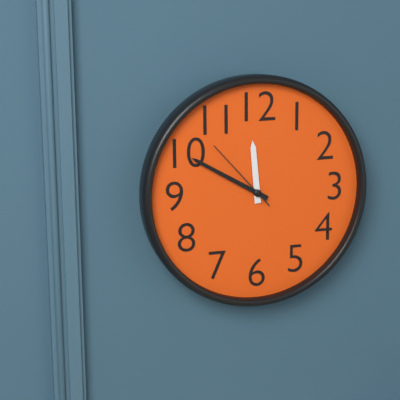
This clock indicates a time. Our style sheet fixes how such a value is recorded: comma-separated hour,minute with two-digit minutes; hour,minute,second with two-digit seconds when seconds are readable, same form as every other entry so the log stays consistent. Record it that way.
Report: 11,50,53
